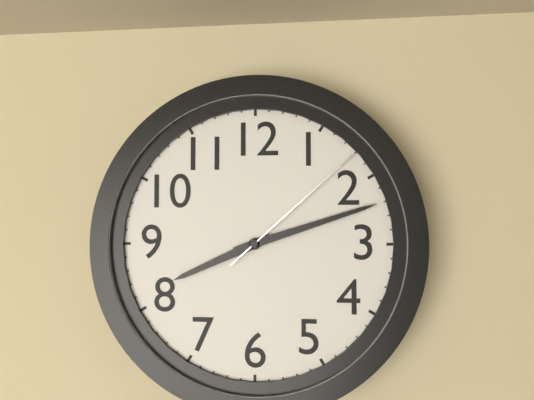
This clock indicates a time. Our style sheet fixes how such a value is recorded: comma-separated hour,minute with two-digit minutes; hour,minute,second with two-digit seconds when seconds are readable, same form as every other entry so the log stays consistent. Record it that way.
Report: 8,12,08
